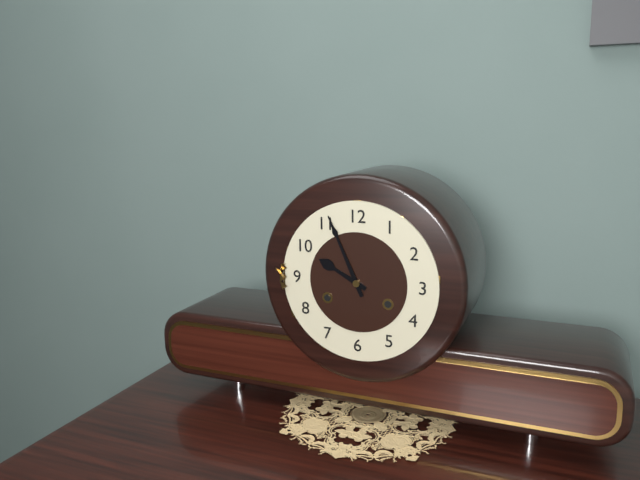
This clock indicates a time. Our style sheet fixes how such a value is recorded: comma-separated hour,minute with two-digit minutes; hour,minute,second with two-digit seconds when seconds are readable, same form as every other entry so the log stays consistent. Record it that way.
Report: 9,56
